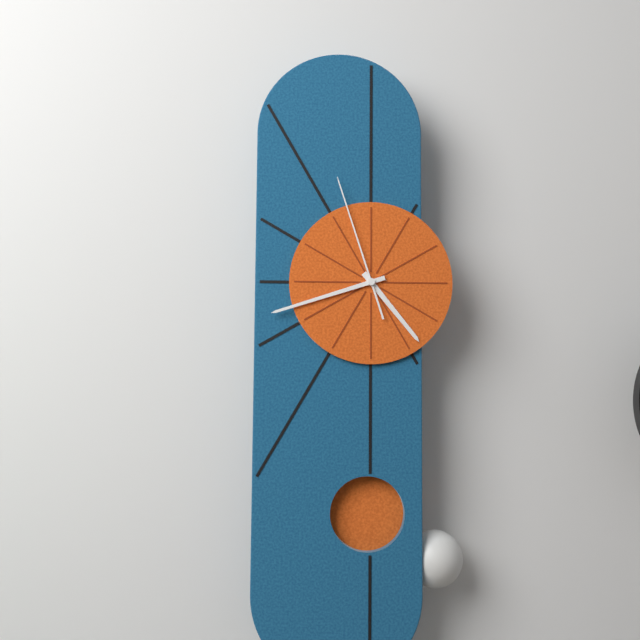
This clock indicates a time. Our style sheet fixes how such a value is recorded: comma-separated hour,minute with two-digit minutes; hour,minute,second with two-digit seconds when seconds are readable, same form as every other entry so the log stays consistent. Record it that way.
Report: 4,42,57
